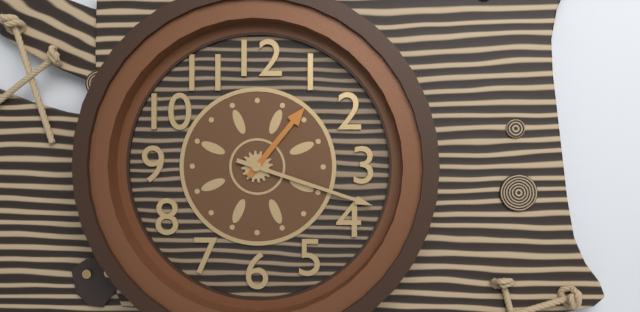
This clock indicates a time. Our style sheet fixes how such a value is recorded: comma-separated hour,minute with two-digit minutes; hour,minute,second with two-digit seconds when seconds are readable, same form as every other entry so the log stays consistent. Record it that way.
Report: 1,18
